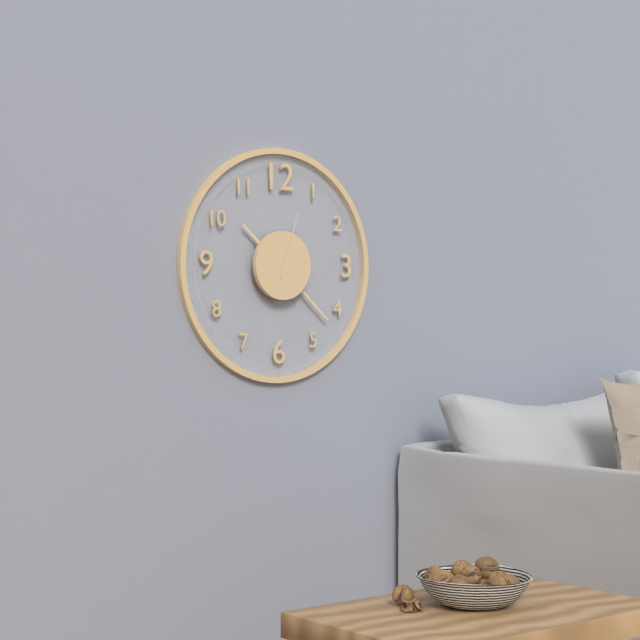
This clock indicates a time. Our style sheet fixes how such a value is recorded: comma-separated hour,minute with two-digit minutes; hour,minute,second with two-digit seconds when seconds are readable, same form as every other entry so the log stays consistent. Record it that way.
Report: 10,22,03
